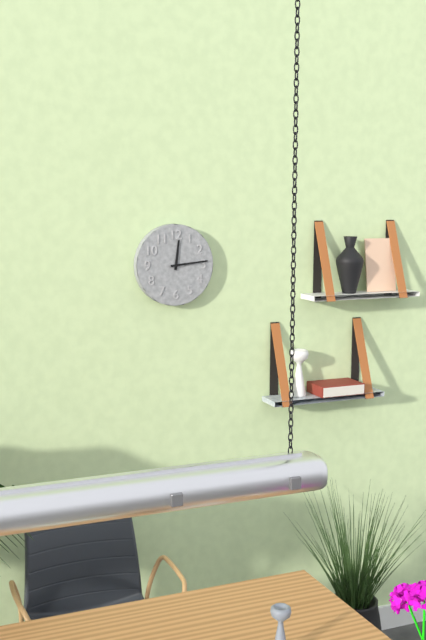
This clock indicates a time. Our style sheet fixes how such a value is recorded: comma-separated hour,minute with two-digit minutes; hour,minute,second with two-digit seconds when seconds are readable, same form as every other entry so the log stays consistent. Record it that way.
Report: 12,14
